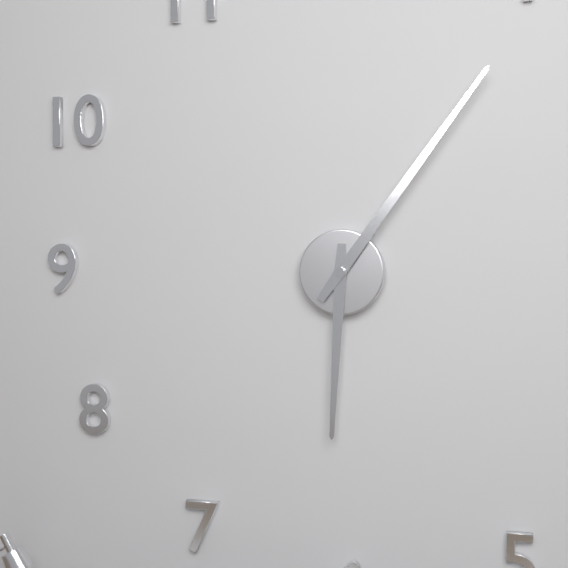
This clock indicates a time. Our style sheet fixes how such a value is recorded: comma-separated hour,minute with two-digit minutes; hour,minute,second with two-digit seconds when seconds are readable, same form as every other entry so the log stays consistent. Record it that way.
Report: 6,06
